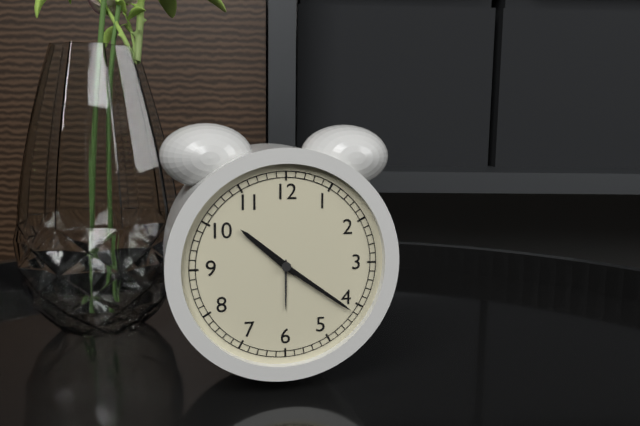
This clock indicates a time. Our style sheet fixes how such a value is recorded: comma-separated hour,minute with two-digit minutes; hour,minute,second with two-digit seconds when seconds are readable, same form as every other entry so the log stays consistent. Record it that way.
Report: 10,21
